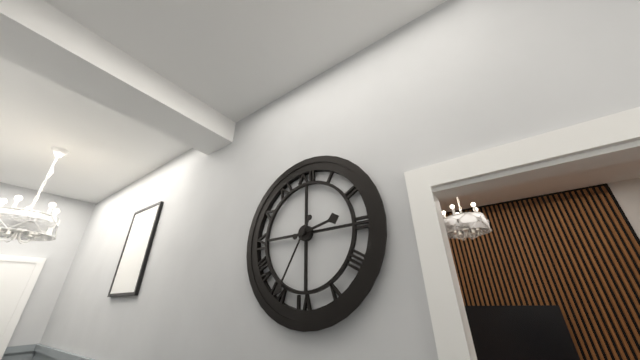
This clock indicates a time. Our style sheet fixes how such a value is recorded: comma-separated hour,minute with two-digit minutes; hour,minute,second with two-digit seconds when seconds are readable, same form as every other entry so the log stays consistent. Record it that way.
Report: 2,35
